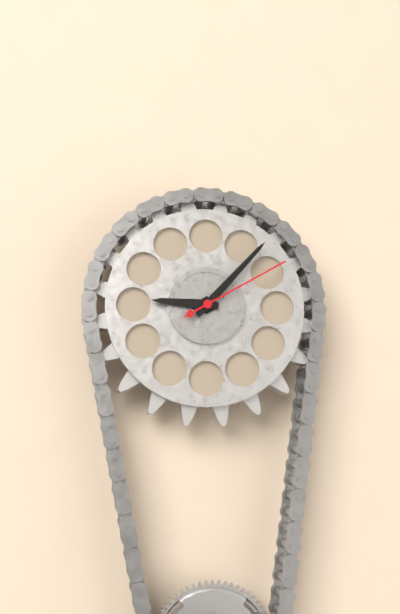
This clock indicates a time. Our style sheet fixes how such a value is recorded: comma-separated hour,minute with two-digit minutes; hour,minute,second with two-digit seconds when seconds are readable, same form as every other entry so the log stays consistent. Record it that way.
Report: 9,07,10
